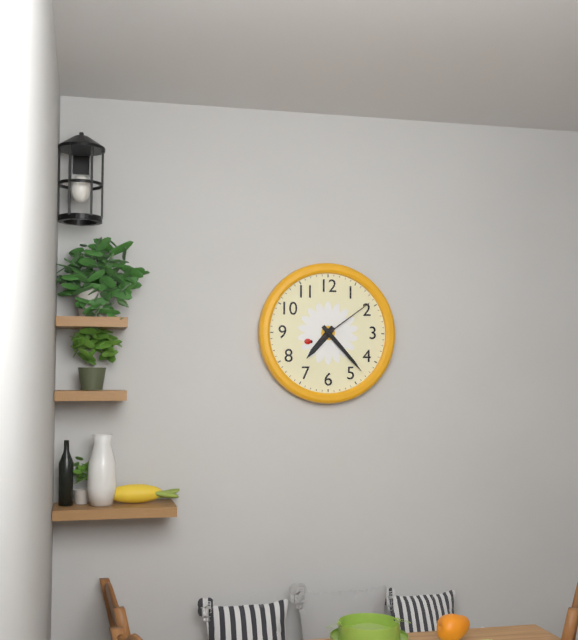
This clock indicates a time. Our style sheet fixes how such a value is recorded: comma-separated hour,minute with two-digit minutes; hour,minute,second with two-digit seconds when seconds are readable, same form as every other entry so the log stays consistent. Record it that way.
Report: 7,23,09
